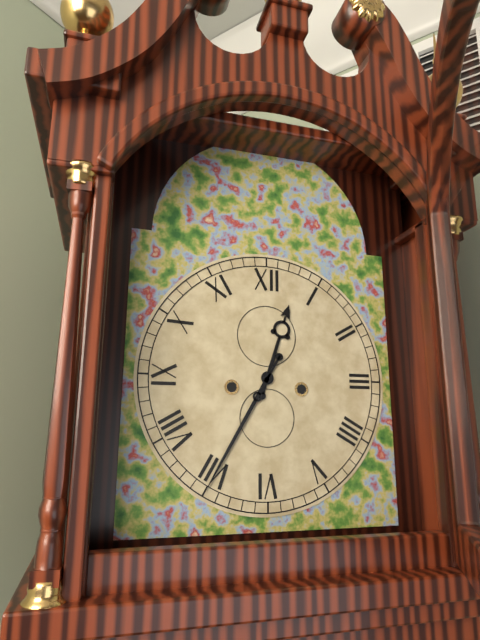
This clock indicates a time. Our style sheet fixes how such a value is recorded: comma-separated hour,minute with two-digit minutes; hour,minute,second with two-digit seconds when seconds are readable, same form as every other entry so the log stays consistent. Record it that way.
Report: 12,35
